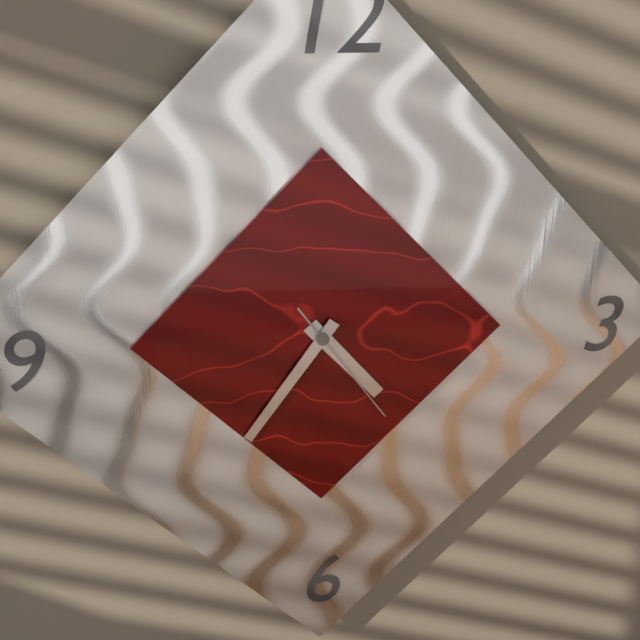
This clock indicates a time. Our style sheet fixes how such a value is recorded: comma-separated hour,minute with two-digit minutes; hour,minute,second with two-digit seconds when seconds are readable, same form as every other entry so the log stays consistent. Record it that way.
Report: 4,36,24
